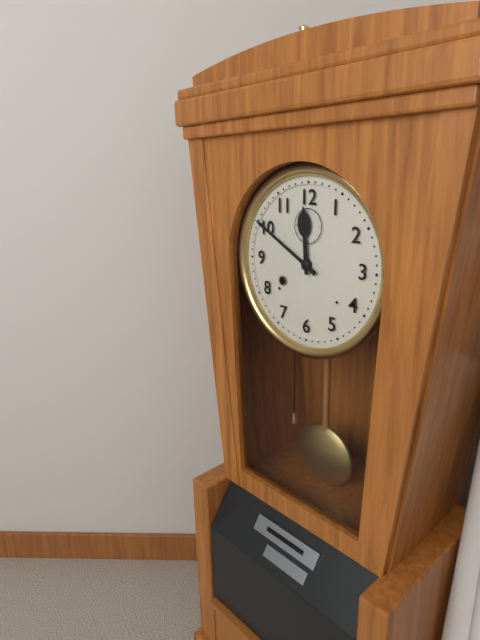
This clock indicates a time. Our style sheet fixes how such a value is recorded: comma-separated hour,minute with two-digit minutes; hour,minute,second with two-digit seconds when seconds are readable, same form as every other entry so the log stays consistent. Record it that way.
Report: 11,50
